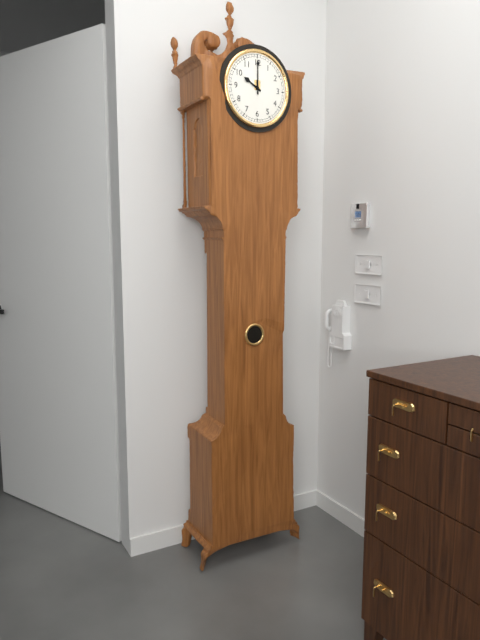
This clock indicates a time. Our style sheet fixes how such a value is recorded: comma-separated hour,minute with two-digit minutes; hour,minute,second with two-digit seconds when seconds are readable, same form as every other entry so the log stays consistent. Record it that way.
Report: 10,00
